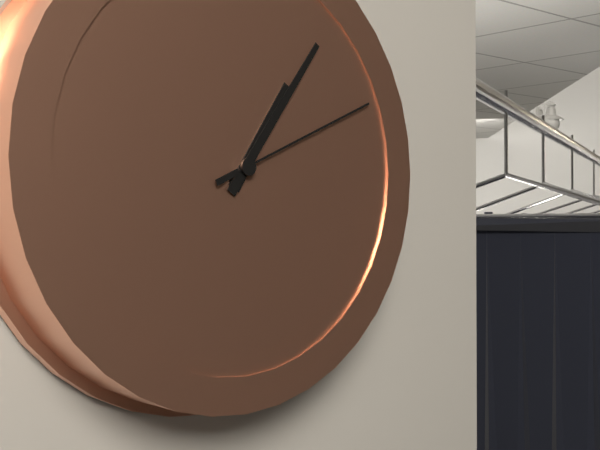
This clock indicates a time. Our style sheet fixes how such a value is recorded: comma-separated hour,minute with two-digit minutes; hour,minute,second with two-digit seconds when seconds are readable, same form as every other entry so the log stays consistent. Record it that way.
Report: 1,06,11
